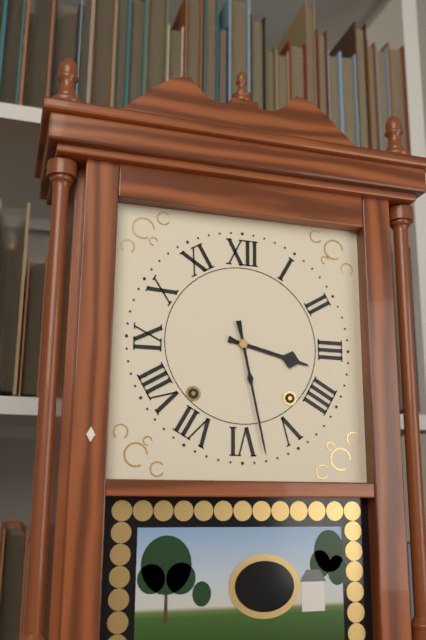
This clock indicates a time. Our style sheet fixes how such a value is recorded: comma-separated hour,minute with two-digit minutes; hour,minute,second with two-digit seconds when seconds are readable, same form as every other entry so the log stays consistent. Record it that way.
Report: 3,28
